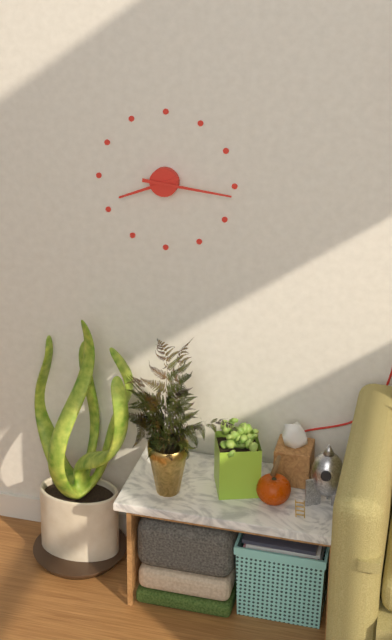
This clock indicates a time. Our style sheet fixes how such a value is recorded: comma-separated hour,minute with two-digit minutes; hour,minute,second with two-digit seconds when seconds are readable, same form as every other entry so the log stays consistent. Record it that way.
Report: 8,16
